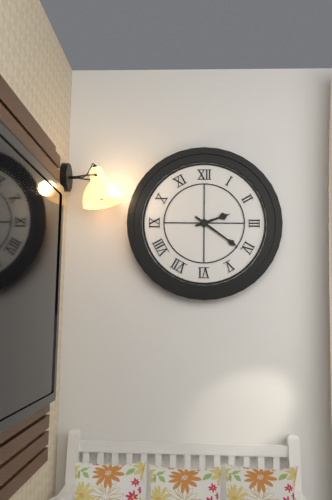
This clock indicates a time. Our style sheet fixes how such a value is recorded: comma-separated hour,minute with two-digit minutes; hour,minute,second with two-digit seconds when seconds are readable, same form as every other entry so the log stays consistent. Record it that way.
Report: 2,21
